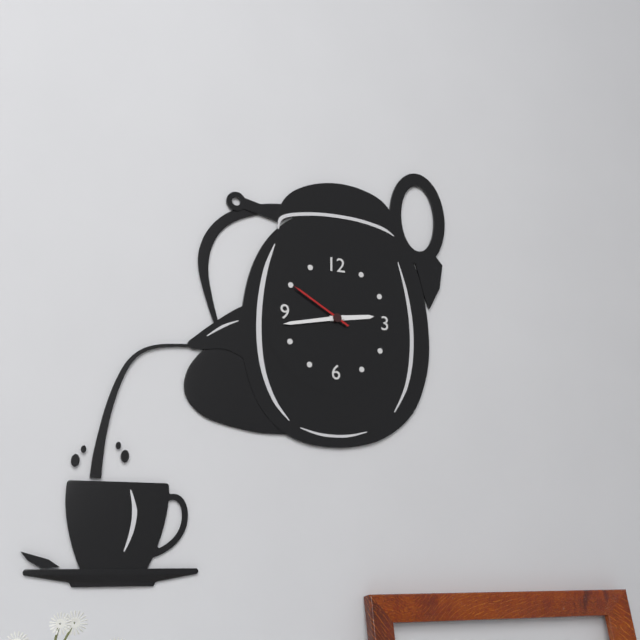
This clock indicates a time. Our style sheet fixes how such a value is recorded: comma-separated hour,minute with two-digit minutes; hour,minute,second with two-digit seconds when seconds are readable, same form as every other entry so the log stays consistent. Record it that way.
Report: 2,43,50
